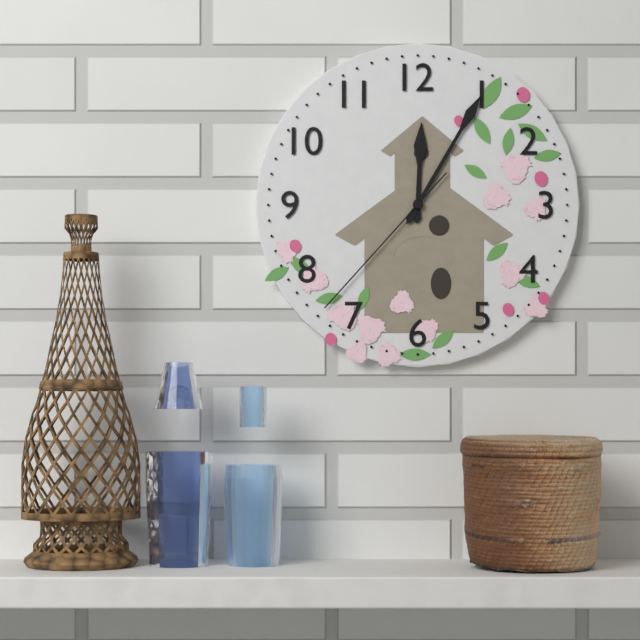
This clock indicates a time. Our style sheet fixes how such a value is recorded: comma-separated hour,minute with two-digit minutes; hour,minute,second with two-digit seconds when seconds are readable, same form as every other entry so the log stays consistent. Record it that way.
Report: 12,05,37
